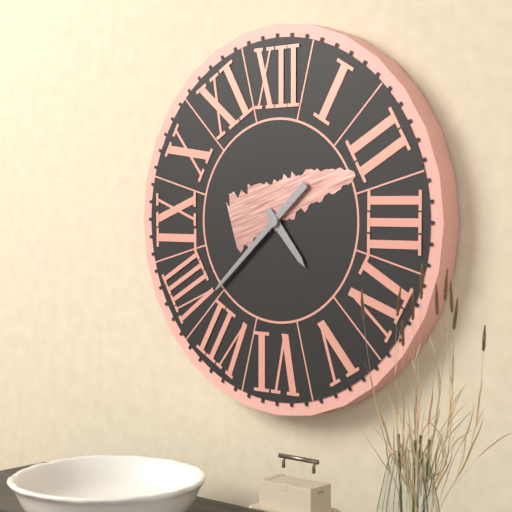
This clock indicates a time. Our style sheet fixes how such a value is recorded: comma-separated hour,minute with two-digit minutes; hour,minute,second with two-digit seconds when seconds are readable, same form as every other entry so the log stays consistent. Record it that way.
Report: 4,38
